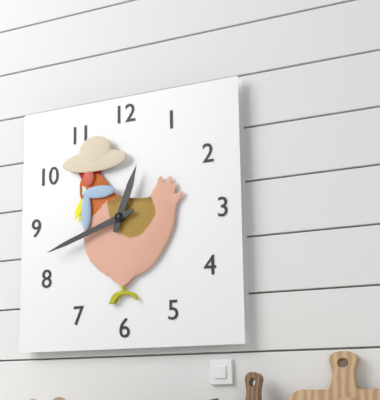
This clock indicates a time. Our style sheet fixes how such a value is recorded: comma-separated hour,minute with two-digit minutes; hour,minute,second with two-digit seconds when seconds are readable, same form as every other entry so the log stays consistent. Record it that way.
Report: 12,42
